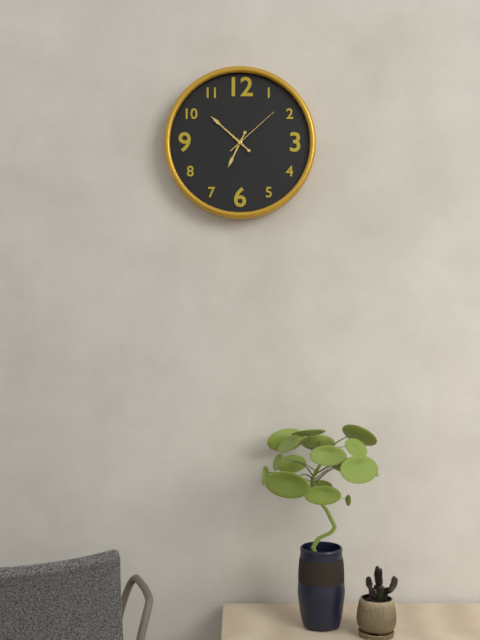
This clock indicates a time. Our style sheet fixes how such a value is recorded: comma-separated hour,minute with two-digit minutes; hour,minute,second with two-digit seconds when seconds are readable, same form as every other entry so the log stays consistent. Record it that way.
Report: 6,52,08
